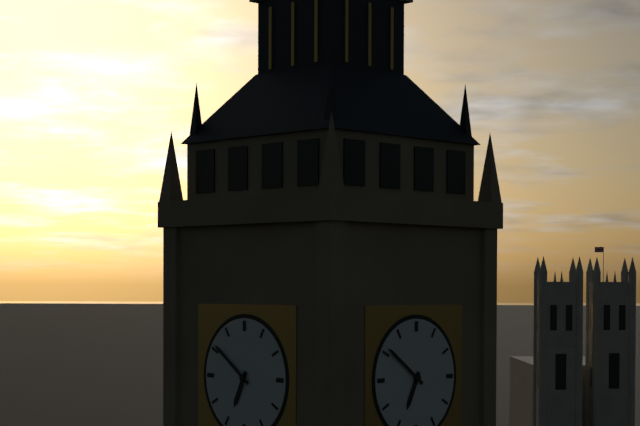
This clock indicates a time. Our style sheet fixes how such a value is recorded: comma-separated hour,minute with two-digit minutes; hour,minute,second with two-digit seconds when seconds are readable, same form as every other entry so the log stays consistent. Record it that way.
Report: 6,51
